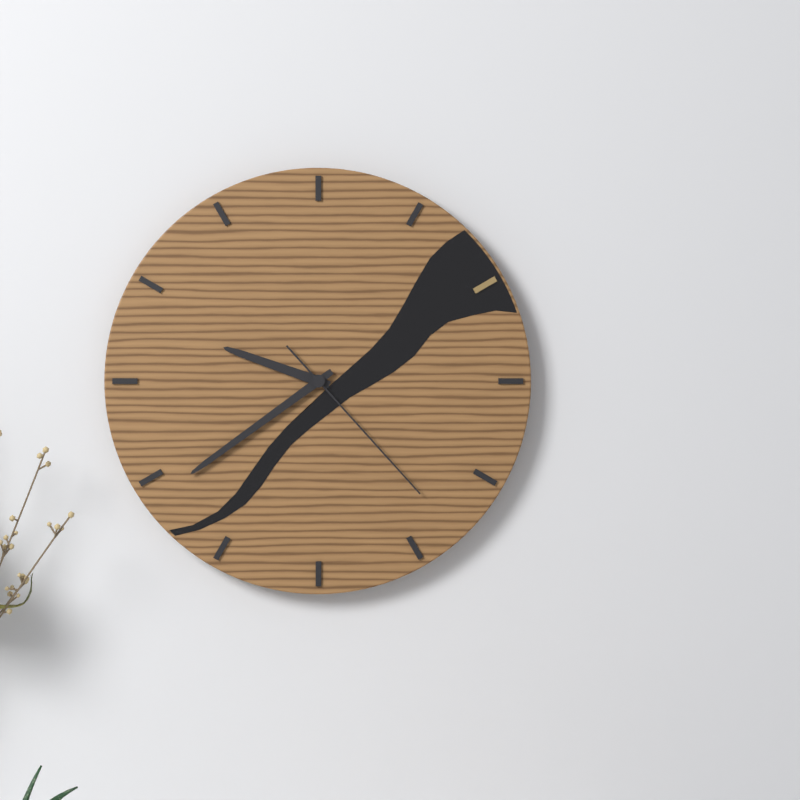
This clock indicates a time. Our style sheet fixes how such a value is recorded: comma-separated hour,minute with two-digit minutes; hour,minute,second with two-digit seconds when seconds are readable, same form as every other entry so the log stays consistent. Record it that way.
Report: 9,39,23
